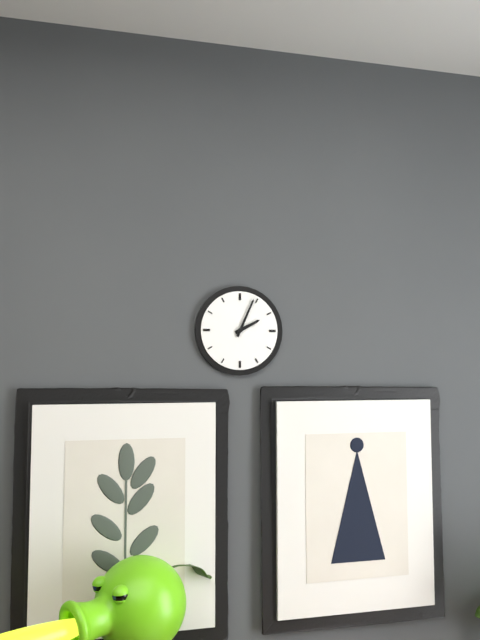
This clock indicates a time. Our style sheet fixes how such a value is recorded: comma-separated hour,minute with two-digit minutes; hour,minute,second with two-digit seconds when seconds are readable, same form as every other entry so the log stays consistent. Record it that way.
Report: 2,04
